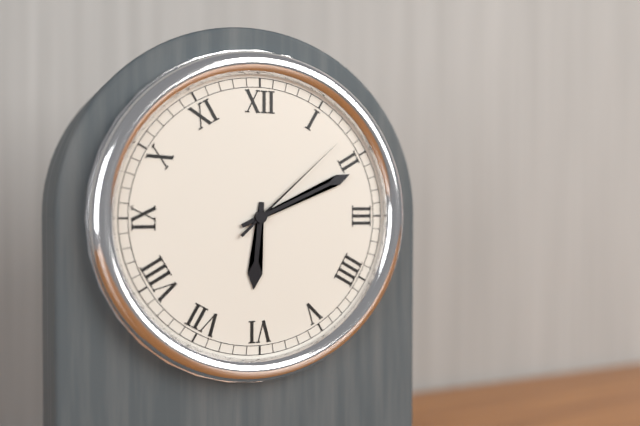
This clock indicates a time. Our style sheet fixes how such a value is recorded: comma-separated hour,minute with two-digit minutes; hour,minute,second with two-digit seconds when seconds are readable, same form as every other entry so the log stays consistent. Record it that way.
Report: 6,11,08
